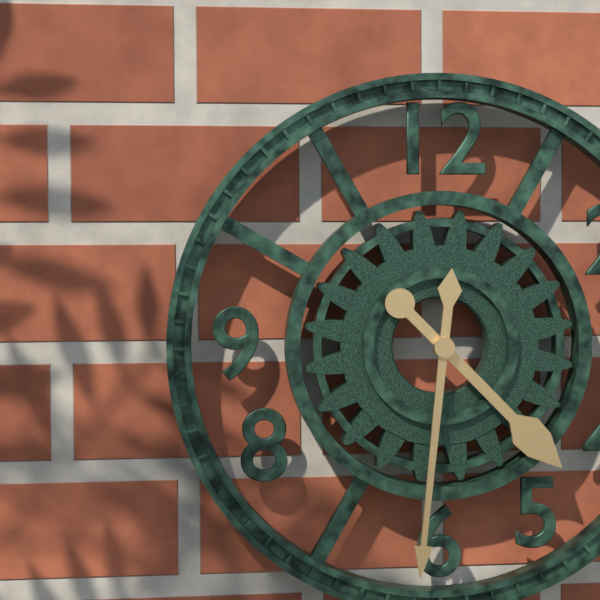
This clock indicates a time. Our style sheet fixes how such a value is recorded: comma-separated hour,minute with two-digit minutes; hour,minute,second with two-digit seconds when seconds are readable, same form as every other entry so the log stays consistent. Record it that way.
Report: 4,31
